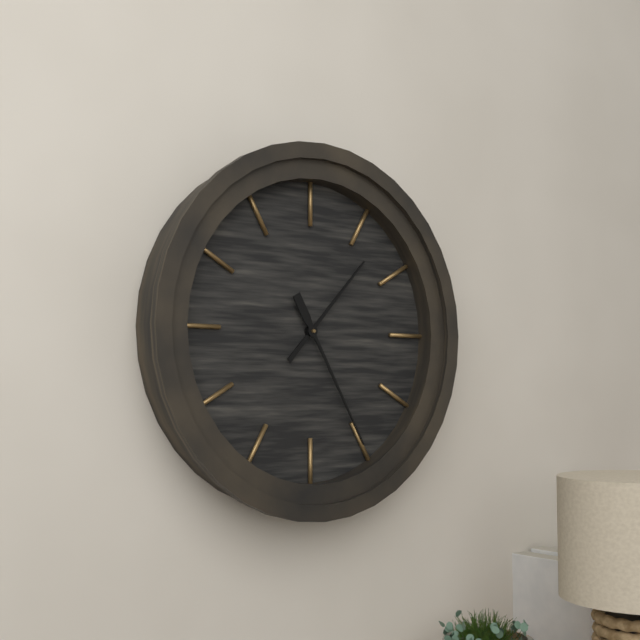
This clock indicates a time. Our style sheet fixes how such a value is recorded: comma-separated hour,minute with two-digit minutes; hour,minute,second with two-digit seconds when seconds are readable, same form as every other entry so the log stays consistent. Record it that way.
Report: 1,25
